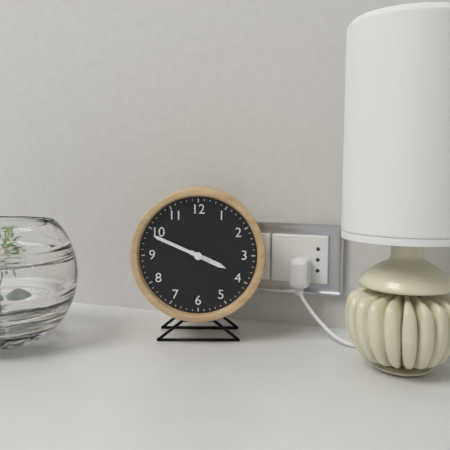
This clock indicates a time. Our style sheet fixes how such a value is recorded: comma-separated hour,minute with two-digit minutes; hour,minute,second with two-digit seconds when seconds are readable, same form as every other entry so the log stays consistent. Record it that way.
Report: 3,49
